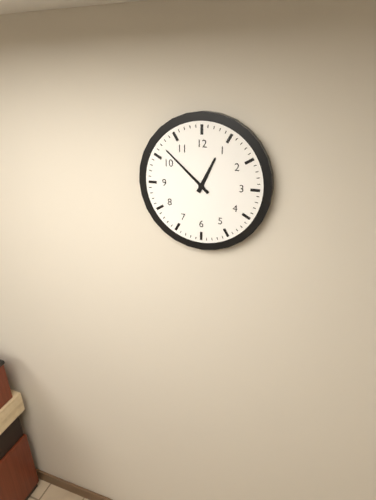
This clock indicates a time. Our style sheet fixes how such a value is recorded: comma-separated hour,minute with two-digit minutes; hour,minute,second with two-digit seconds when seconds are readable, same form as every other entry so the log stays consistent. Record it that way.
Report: 12,52
